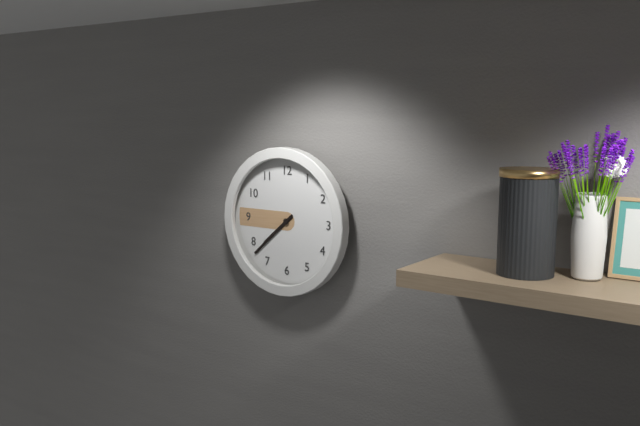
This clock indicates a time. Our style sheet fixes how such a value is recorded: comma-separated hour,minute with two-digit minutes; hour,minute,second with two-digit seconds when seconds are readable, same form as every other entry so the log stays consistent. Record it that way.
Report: 7,38
